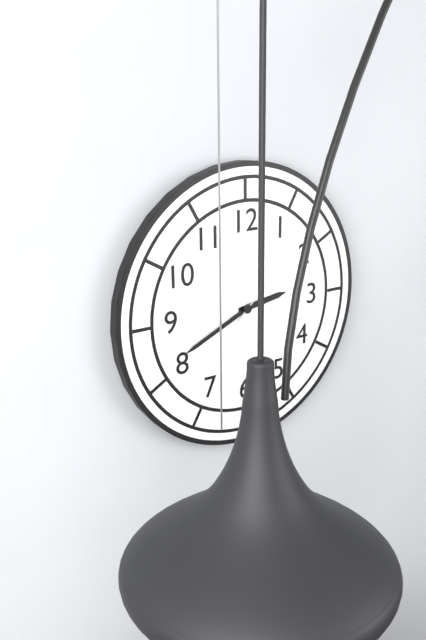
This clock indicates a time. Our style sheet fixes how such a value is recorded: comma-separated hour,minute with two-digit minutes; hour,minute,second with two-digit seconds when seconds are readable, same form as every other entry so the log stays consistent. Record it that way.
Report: 2,41,08
